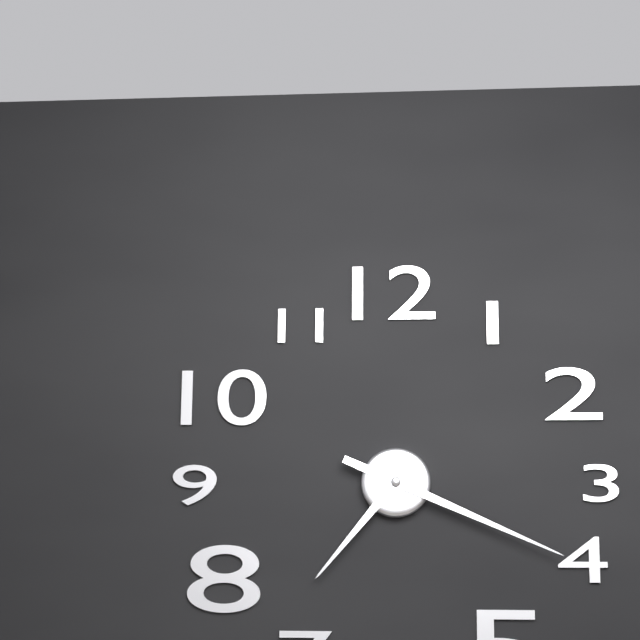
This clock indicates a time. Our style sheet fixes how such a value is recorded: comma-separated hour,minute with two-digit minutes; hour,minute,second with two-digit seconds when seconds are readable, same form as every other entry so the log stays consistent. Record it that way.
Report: 7,19
